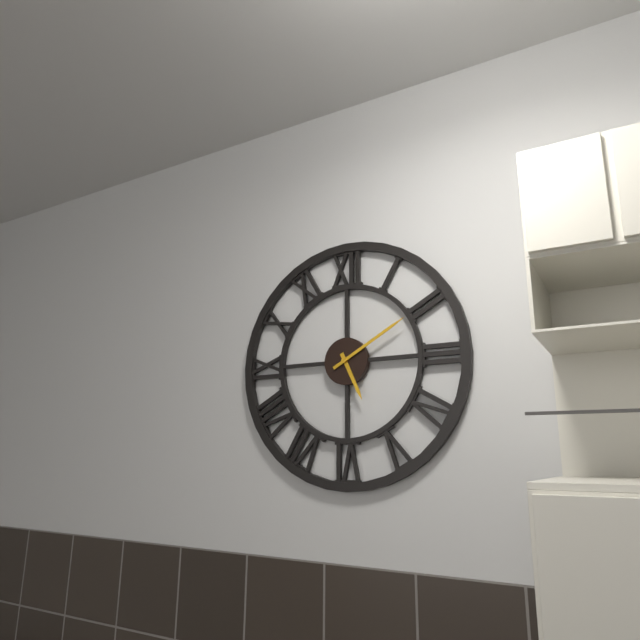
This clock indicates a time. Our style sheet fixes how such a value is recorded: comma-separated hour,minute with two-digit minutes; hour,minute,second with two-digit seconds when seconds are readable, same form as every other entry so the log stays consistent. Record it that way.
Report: 5,10
